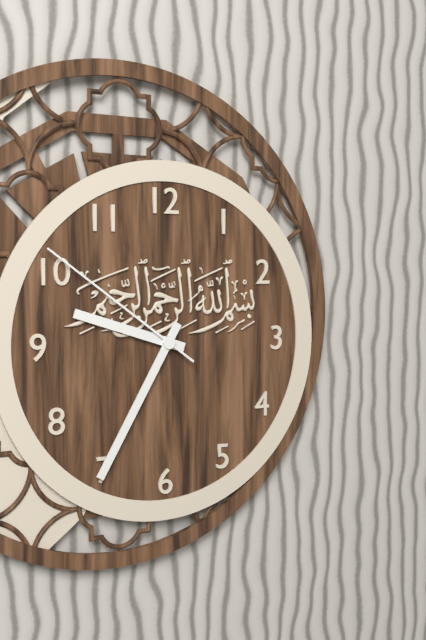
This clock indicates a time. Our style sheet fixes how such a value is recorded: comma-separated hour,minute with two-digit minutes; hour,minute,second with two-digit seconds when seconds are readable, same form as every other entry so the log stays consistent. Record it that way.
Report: 9,35,51
